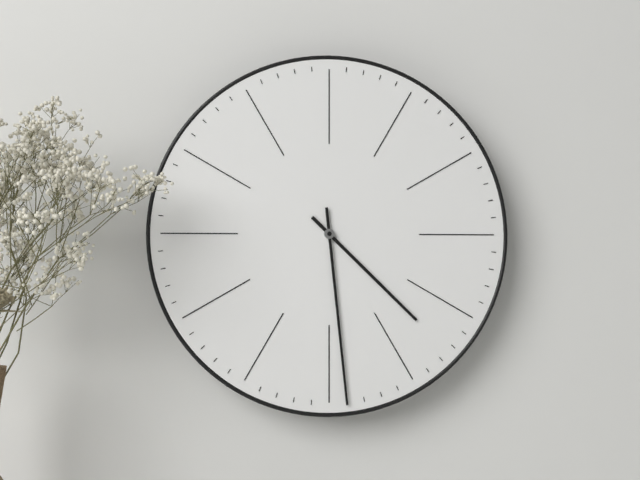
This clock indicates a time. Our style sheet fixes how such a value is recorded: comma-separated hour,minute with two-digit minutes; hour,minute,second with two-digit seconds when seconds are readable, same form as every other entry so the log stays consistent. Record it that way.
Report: 4,29
